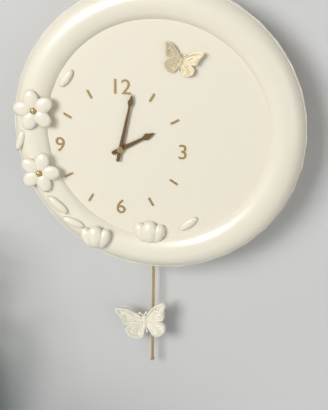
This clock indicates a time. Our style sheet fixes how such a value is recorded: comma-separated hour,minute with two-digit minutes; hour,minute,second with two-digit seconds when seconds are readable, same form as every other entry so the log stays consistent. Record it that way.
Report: 2,02
